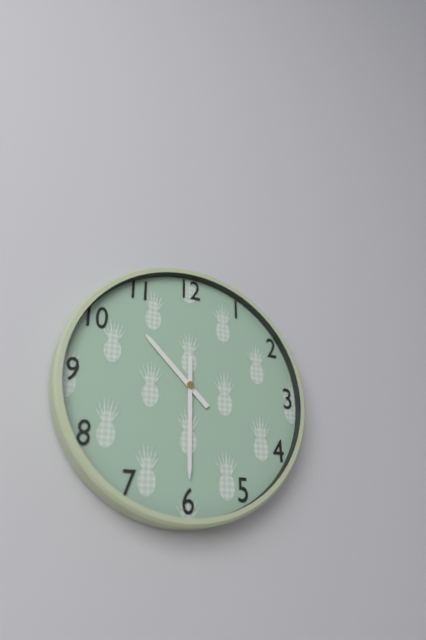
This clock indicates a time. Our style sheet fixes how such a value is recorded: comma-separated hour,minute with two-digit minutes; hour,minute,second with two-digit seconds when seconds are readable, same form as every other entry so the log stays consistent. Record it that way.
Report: 10,30
